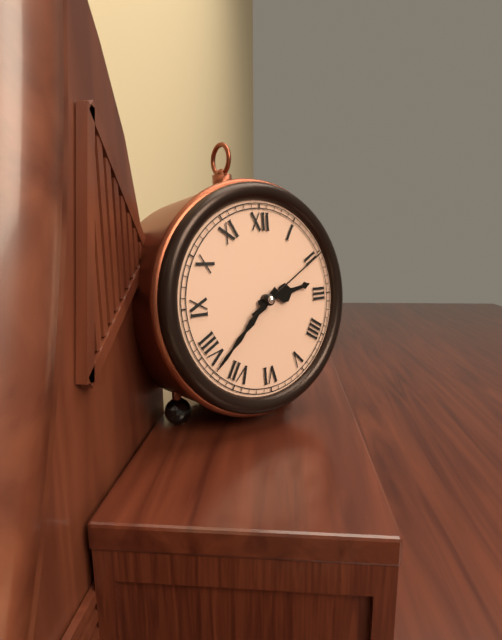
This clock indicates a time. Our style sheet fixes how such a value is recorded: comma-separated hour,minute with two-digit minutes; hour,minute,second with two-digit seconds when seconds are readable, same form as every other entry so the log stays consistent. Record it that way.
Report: 2,38,10
